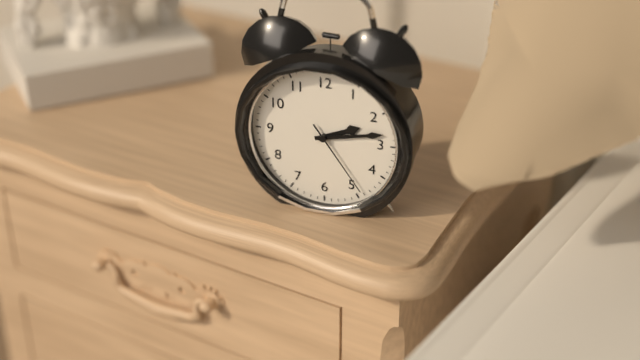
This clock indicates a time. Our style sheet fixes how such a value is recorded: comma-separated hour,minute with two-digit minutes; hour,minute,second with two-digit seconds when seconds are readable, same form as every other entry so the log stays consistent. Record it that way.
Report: 2,13,24
